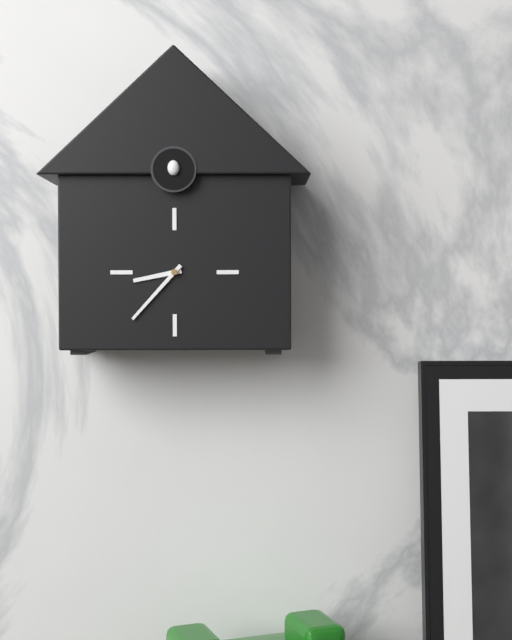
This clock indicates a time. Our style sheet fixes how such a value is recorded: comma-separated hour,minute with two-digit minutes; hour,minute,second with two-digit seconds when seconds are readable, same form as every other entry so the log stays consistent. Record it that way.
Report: 8,37
